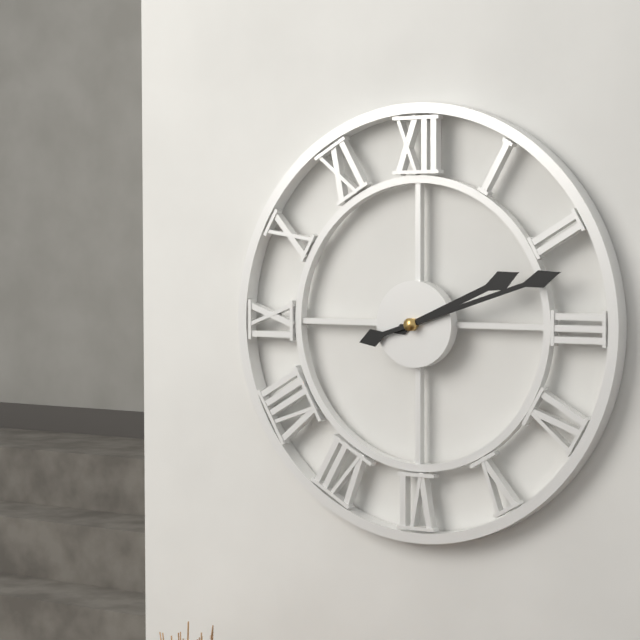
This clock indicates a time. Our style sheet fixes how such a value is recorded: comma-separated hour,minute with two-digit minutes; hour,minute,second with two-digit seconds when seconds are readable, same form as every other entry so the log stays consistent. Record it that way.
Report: 2,12
